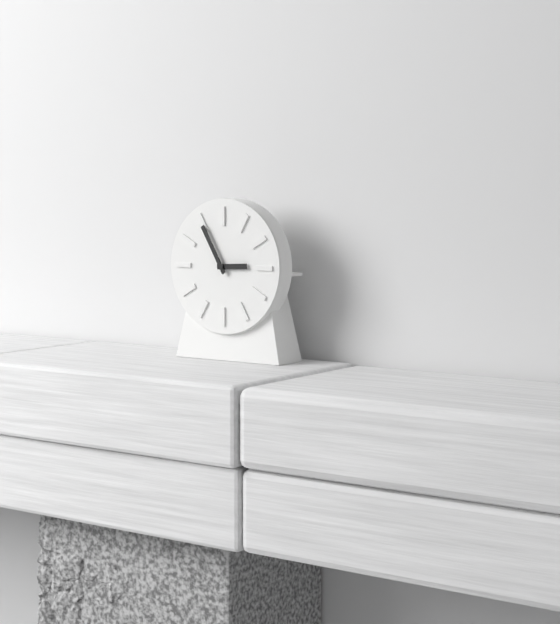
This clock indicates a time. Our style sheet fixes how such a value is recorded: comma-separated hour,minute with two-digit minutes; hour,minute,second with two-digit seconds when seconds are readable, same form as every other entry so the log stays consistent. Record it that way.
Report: 2,55
